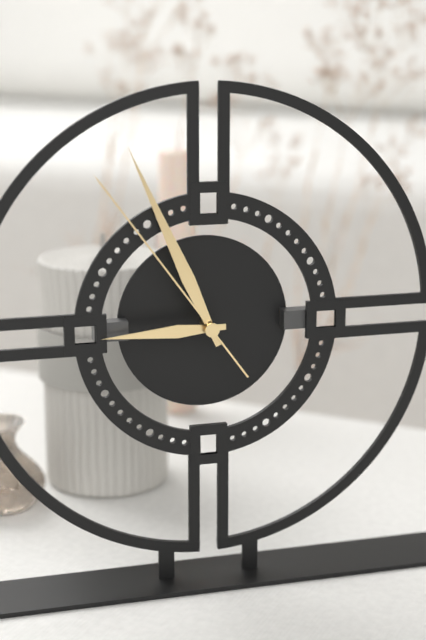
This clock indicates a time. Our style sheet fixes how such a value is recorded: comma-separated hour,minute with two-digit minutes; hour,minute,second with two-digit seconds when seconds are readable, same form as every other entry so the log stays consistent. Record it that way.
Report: 8,56,54
